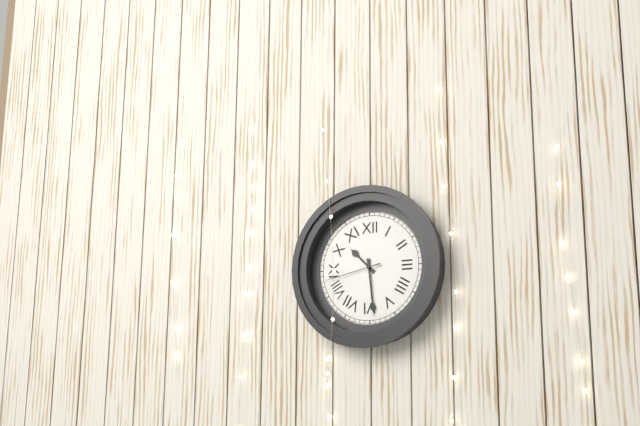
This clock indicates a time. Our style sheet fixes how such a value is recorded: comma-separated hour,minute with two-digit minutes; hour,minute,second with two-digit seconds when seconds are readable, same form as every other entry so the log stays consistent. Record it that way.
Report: 10,29,43
